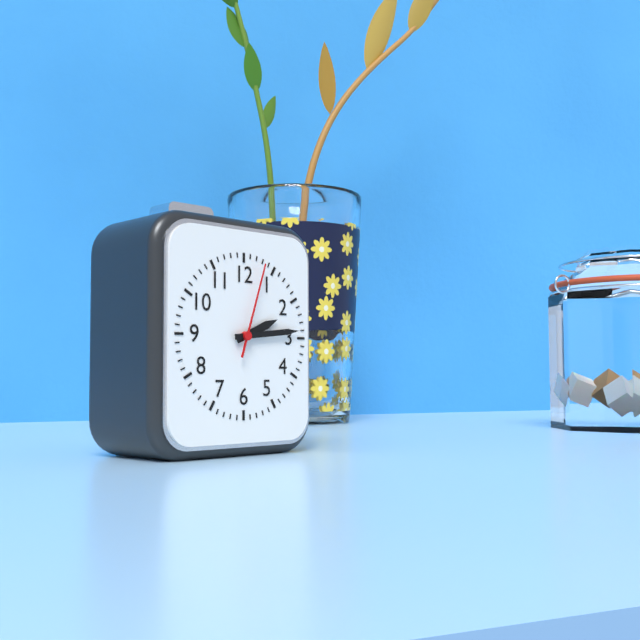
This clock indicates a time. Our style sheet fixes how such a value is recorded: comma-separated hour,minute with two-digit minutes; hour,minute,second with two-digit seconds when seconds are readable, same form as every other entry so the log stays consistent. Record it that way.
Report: 2,14,03
